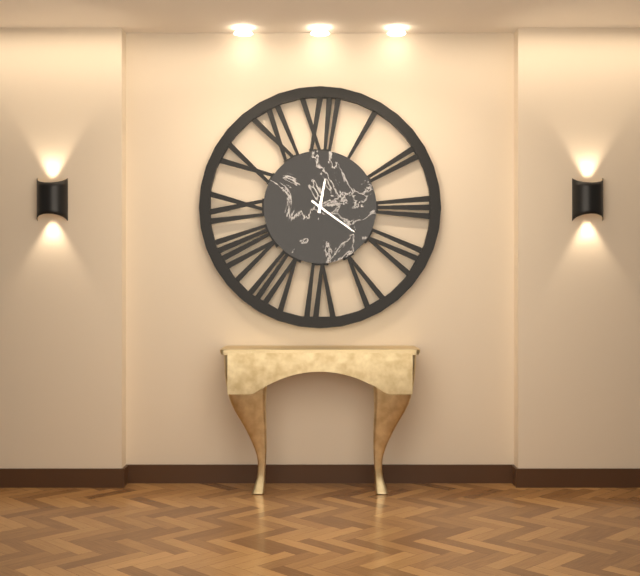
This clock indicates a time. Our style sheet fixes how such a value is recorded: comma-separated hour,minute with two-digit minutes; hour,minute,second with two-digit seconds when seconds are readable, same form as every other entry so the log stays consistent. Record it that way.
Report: 12,21
